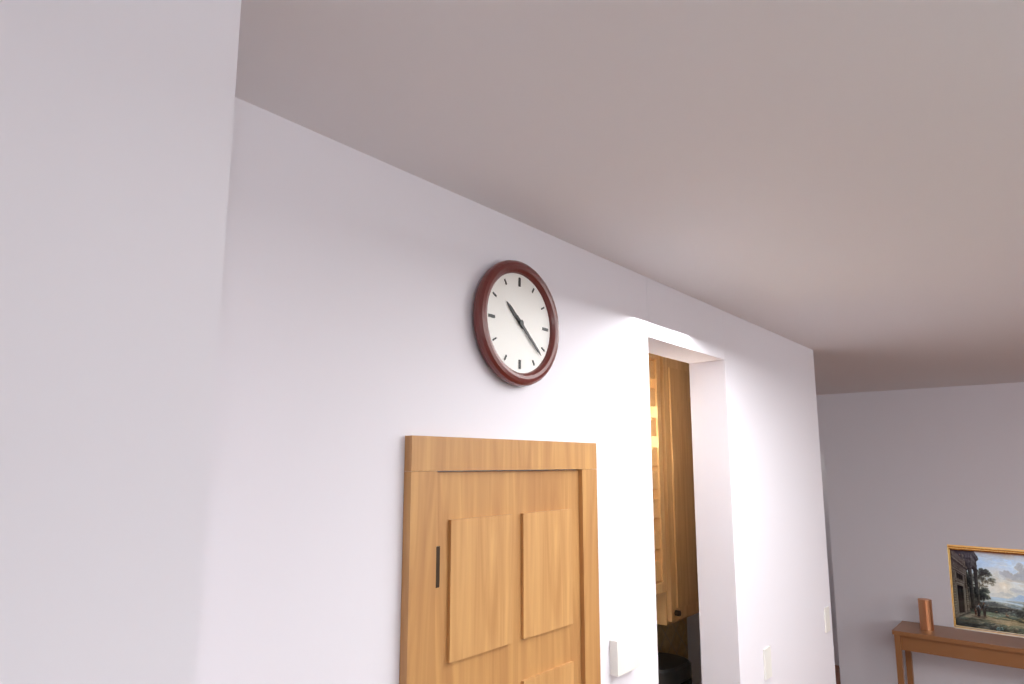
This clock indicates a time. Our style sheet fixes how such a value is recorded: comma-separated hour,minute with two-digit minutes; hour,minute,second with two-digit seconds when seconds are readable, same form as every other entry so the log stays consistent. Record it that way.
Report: 10,22
